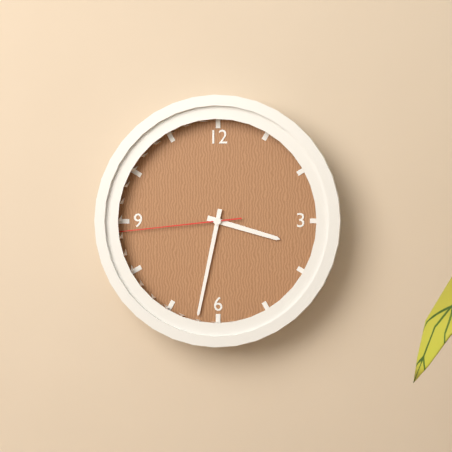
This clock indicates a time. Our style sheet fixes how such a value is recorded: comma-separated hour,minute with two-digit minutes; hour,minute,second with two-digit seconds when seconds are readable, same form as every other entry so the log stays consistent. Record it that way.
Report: 3,32,44
